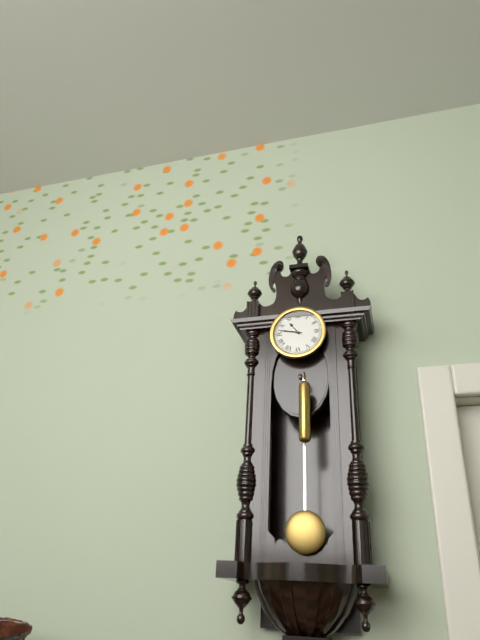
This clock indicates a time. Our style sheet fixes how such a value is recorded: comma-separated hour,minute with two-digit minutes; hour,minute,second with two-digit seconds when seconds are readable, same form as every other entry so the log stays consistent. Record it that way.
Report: 10,47
